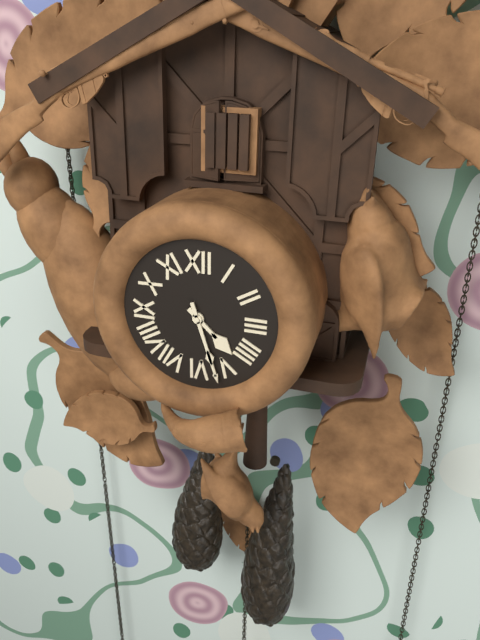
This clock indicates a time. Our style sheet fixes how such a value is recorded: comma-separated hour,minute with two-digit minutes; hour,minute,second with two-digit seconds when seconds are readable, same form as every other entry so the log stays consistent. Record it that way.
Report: 4,27
